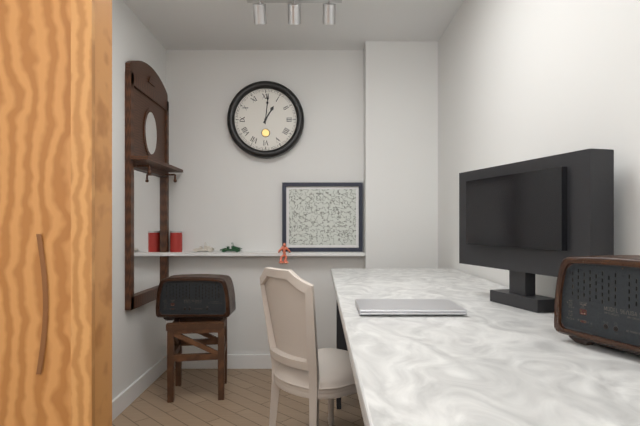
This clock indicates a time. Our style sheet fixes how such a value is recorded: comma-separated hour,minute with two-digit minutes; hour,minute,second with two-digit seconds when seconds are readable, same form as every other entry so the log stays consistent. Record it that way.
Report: 1,01
